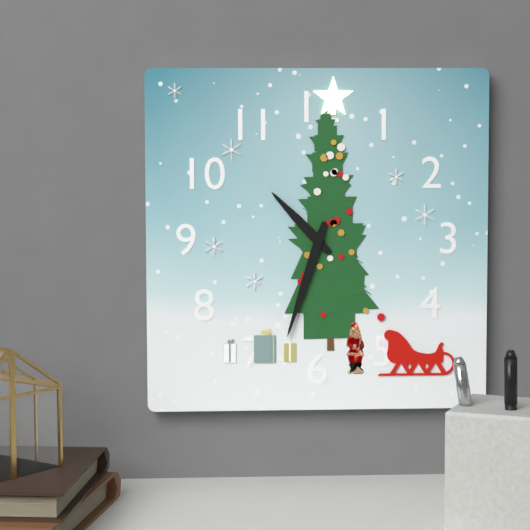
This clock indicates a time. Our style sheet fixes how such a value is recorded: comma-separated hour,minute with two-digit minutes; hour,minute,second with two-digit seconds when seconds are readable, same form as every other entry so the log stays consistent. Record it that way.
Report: 10,33
